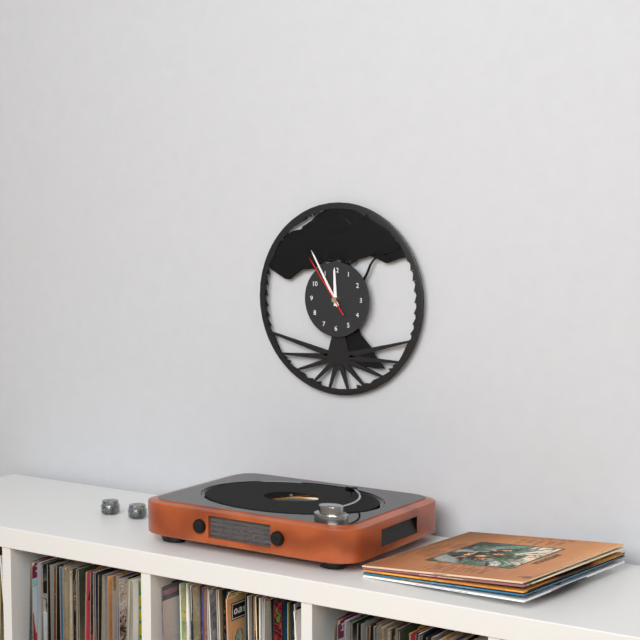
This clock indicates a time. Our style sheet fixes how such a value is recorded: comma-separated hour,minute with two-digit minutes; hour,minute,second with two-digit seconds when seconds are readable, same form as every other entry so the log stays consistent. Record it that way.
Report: 11,55,54
